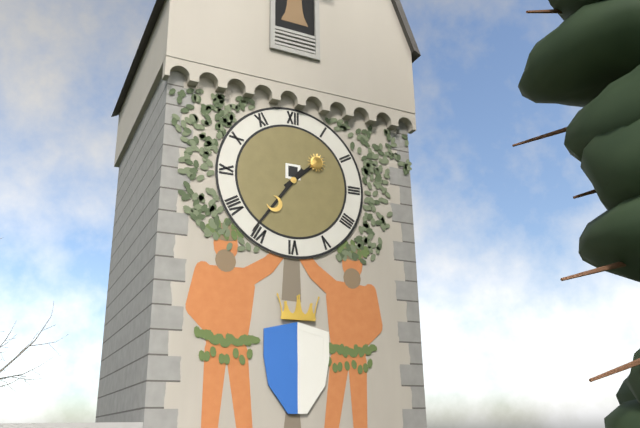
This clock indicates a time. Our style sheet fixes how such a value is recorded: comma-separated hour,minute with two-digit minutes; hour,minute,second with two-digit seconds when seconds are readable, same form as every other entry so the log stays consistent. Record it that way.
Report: 1,36
